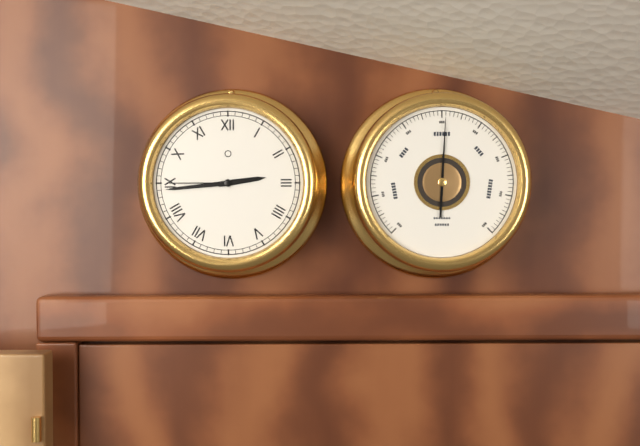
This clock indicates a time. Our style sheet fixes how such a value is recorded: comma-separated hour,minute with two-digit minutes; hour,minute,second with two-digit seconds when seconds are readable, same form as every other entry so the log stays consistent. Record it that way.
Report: 2,44,45
